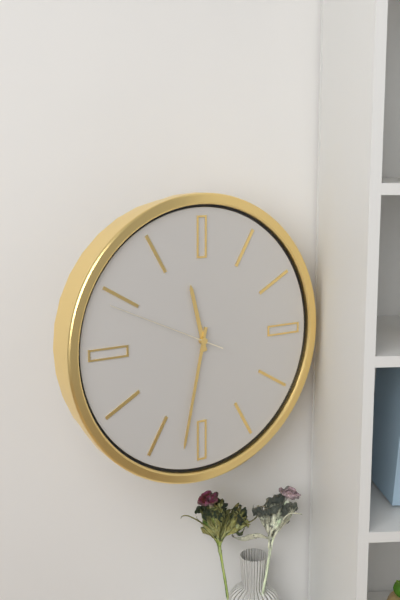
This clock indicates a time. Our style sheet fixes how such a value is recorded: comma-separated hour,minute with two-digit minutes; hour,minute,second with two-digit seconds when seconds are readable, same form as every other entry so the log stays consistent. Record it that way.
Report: 11,32,49
